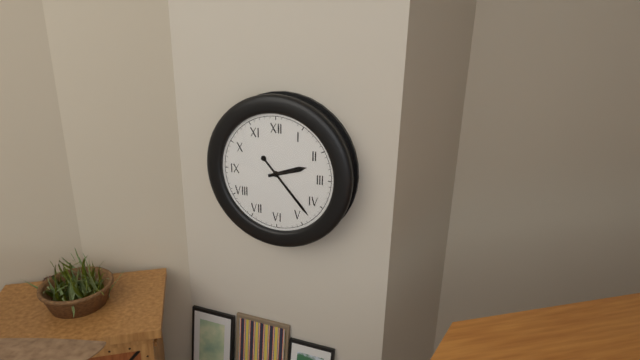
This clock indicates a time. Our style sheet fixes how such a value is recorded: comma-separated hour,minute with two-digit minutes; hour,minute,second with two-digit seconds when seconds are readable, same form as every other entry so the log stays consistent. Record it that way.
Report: 2,23
